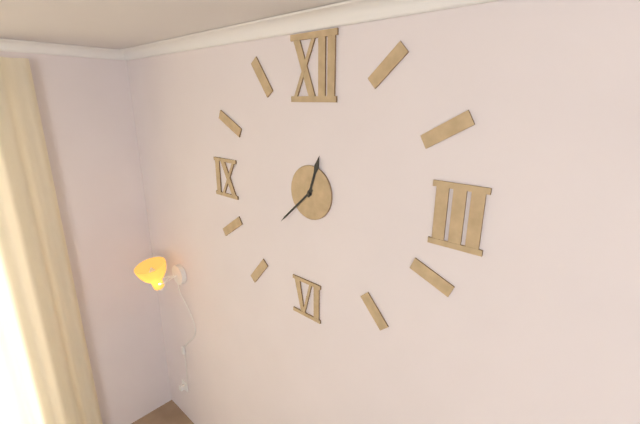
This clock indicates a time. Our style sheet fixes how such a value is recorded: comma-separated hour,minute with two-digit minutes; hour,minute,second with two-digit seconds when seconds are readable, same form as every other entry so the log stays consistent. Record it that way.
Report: 12,38
